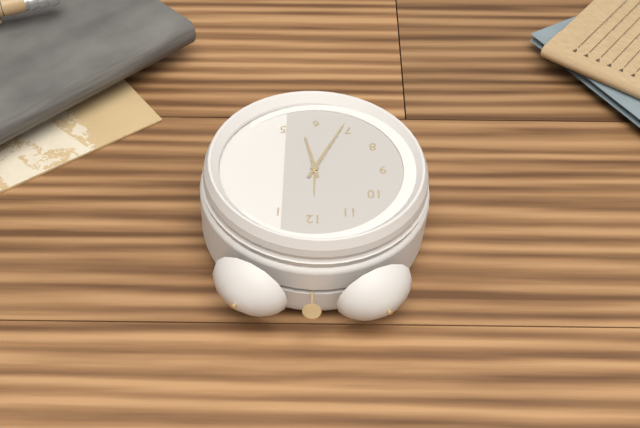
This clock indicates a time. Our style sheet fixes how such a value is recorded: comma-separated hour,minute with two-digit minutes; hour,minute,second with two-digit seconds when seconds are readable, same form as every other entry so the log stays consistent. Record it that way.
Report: 5,34
